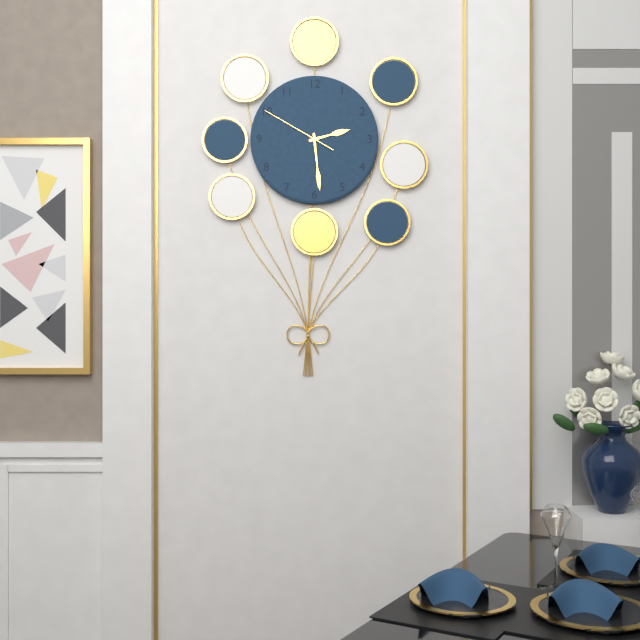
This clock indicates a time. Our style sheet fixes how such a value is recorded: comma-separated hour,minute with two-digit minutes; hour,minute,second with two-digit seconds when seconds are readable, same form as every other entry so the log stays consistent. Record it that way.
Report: 2,29,50
